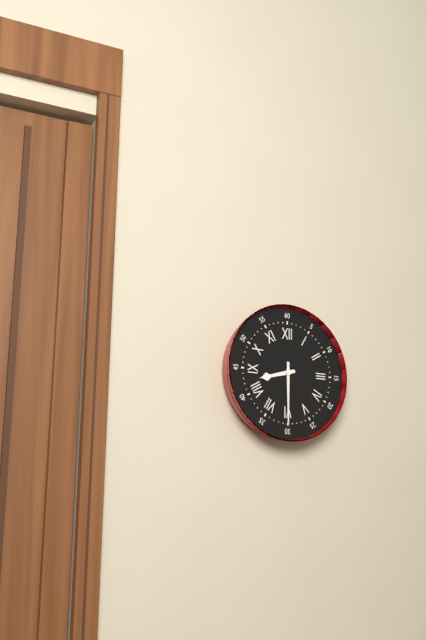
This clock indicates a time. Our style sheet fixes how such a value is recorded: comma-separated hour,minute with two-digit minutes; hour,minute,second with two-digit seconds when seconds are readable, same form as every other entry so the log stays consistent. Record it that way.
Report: 8,30
